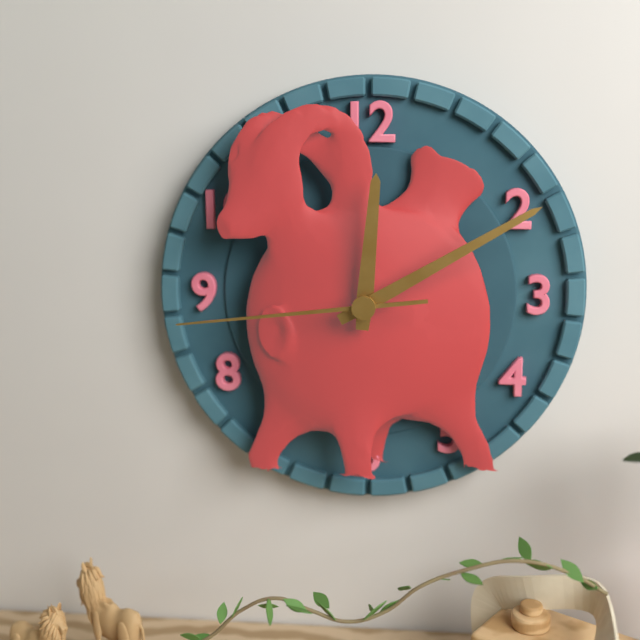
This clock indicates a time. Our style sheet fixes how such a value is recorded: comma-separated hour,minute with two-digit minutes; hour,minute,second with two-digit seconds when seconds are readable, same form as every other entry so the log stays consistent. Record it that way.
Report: 12,10,44
